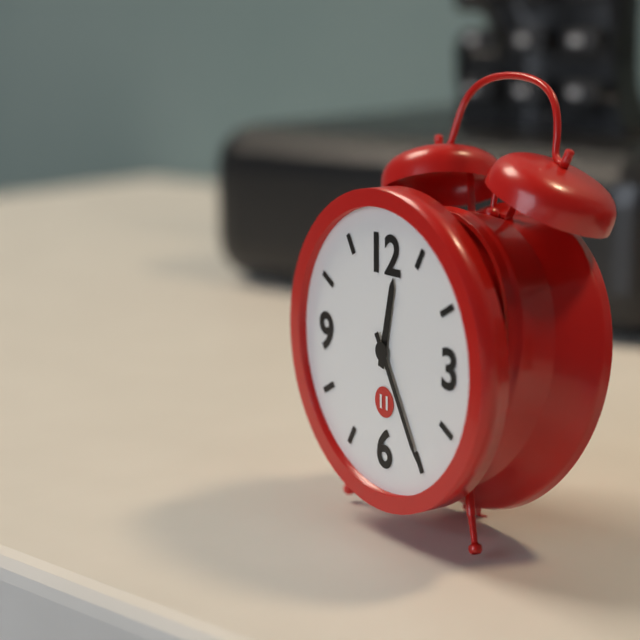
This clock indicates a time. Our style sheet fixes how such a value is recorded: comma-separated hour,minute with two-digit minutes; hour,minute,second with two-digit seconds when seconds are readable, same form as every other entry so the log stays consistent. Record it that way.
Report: 12,25
